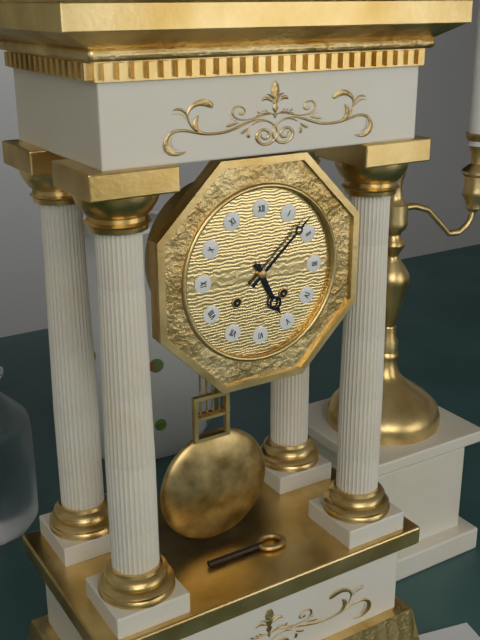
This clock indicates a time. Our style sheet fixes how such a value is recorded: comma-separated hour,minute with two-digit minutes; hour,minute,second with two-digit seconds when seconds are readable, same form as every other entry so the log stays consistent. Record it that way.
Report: 5,08
